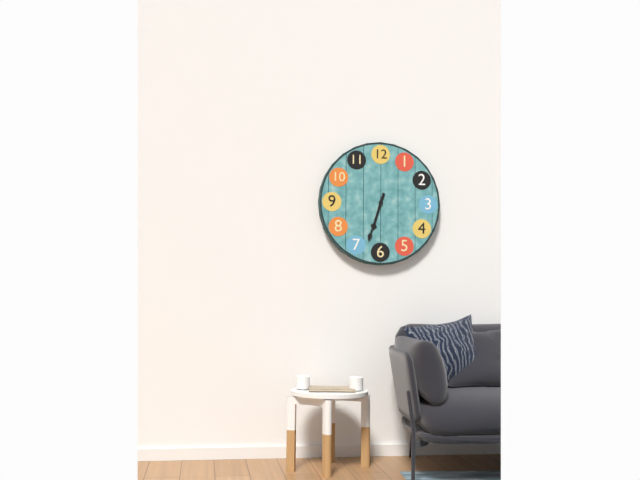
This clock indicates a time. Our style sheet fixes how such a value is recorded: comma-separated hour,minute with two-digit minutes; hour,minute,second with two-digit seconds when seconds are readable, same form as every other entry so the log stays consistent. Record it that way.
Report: 6,33
